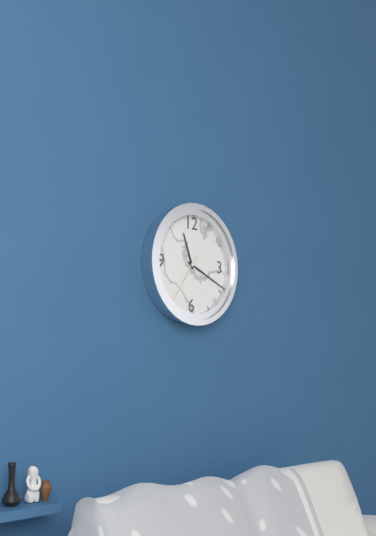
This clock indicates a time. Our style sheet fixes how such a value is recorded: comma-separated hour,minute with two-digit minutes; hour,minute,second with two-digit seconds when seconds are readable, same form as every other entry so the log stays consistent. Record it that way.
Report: 11,19,36
